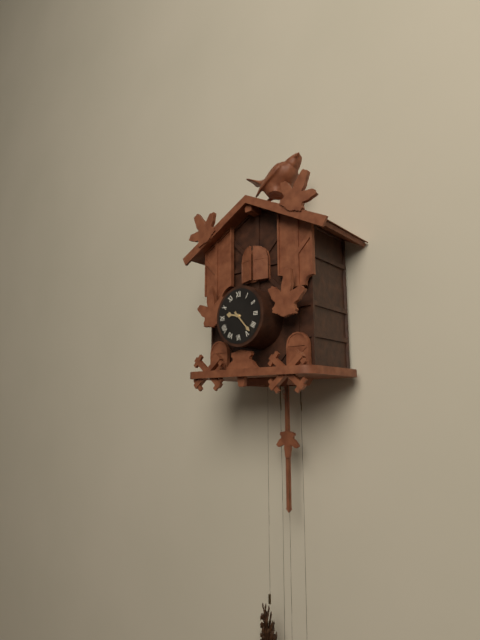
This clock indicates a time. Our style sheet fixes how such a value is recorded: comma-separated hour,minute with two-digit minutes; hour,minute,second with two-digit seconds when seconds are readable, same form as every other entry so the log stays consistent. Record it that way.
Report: 9,23
